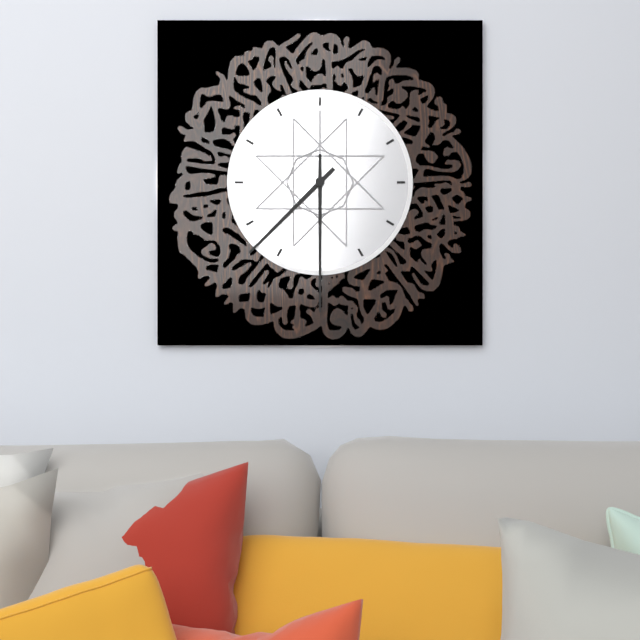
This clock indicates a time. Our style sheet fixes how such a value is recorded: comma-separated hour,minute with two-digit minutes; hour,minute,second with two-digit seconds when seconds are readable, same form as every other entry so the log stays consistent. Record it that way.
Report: 7,30
